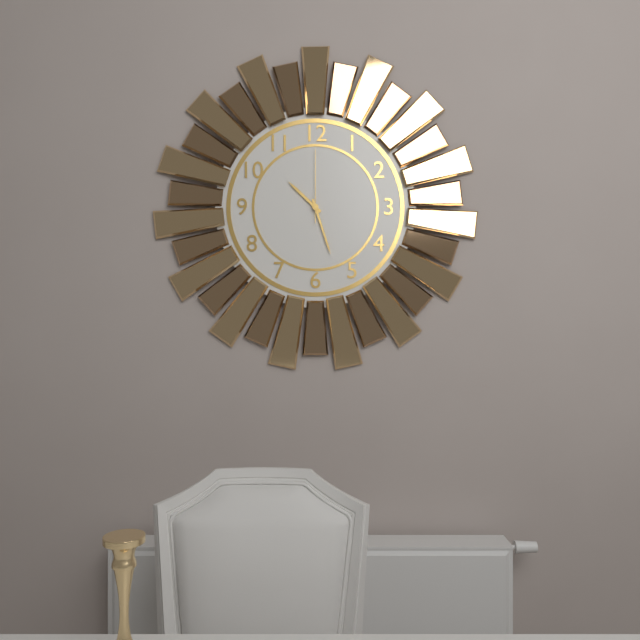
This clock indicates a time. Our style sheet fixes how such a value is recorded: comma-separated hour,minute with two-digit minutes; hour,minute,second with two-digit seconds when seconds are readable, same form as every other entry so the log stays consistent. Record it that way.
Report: 10,27,00
